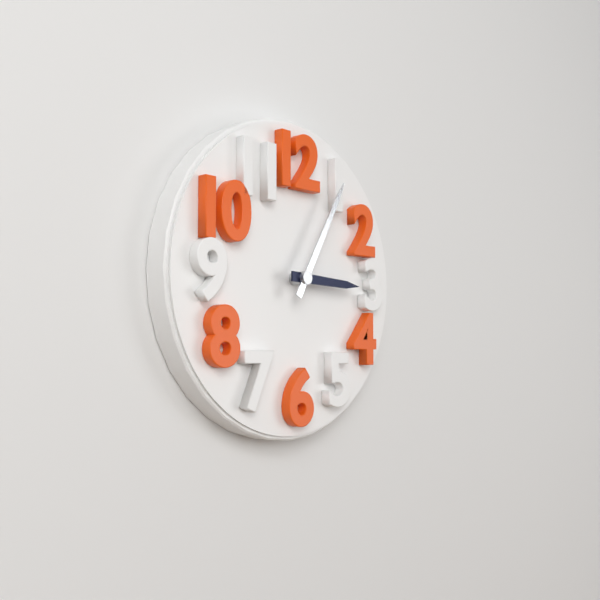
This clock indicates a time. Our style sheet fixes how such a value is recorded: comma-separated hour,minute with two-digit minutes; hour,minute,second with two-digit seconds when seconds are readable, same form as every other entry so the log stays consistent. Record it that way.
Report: 3,05
